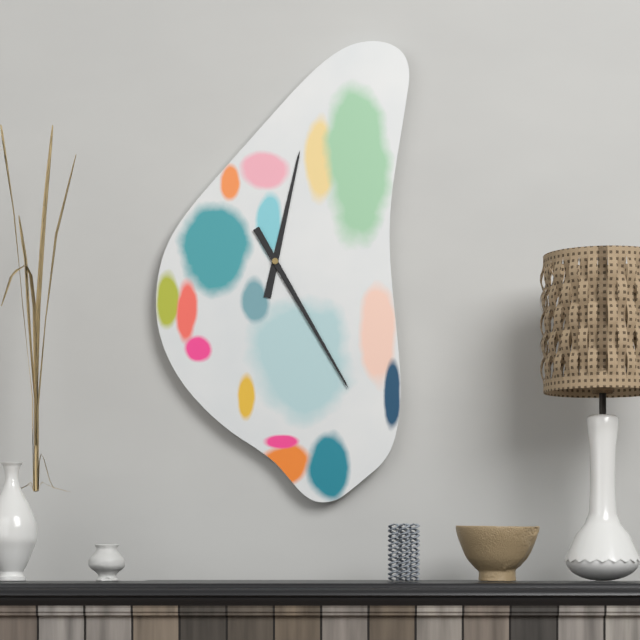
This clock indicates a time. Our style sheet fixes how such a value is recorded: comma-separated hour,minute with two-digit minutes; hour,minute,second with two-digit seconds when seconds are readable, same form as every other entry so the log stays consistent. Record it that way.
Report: 12,25
